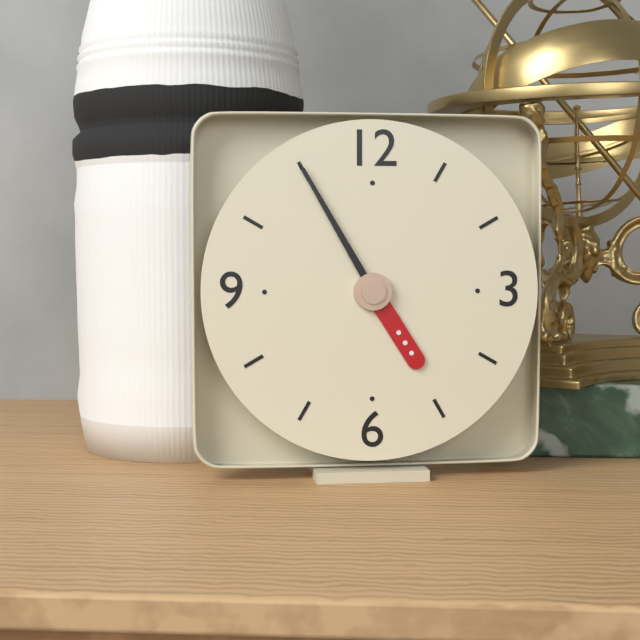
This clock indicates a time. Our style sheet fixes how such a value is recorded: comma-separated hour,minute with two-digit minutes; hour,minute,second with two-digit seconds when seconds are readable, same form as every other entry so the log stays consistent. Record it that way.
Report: 4,55
